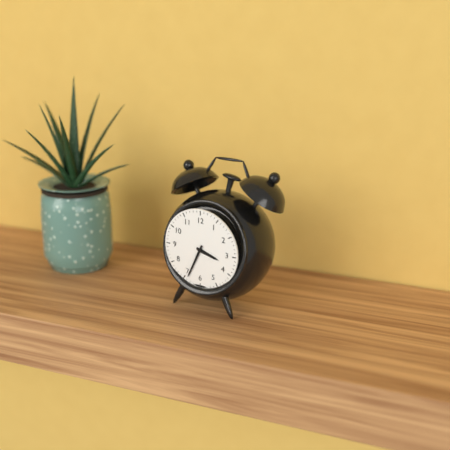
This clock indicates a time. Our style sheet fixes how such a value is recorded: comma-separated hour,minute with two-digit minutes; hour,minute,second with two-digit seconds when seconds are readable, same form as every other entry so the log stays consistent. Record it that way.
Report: 3,34
